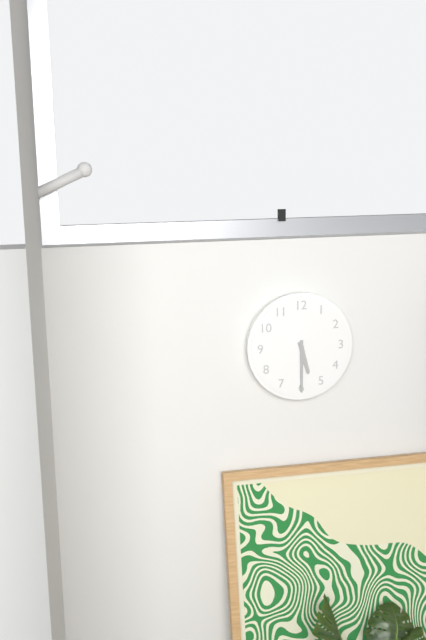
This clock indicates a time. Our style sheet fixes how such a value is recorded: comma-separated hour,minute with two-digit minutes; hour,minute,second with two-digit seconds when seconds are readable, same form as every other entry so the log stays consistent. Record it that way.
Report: 5,30
